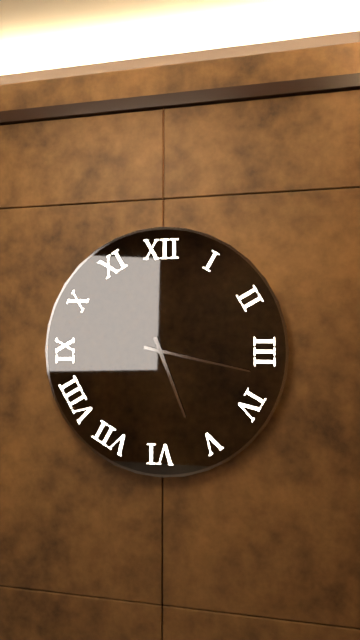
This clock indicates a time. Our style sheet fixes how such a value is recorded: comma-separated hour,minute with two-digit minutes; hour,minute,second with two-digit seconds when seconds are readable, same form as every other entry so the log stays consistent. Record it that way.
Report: 5,17
